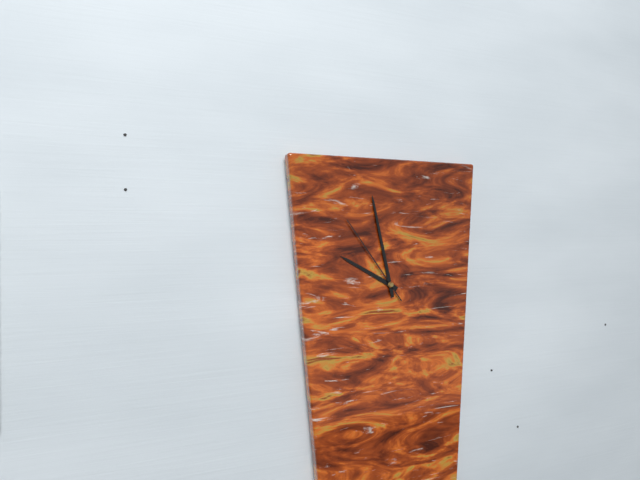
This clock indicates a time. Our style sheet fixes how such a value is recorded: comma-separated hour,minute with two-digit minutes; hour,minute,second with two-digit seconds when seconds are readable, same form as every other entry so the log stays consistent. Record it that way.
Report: 9,58,54
